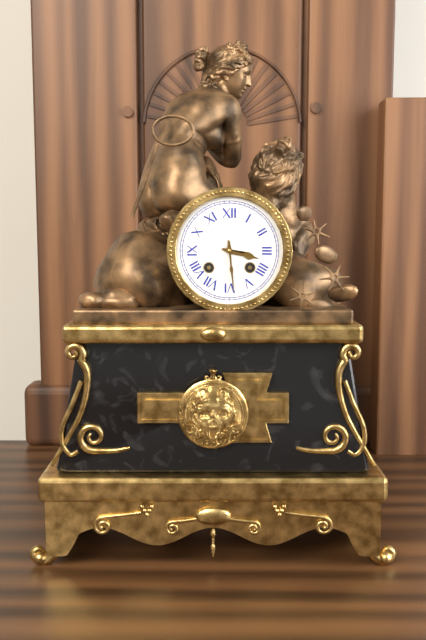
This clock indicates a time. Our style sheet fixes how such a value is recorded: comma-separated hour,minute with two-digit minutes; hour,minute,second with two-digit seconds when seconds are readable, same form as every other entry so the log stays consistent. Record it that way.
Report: 3,29
